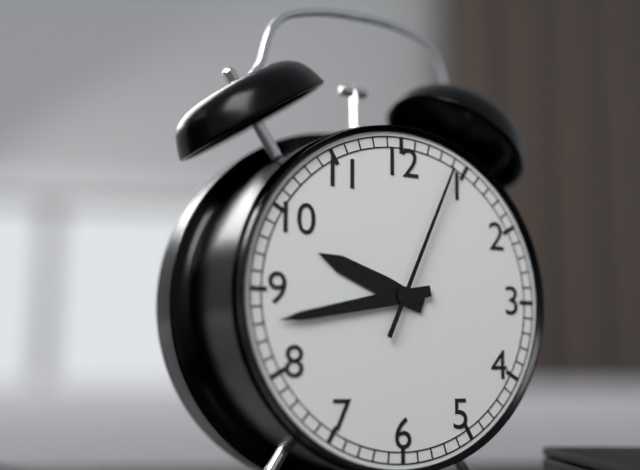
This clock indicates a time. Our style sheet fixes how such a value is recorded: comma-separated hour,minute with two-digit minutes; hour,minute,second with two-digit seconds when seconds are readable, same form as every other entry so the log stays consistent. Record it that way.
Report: 9,43,04
